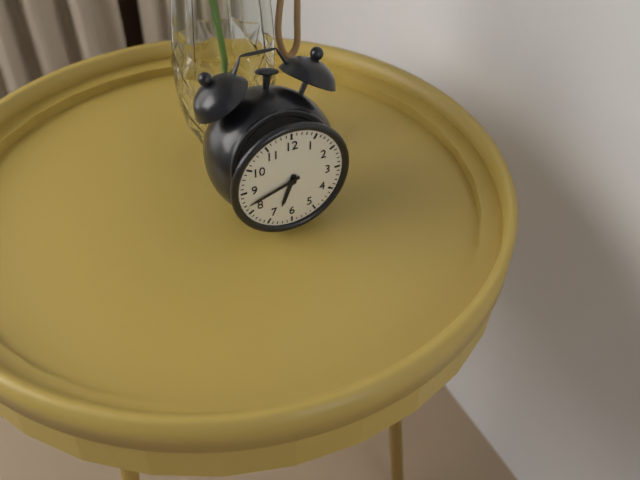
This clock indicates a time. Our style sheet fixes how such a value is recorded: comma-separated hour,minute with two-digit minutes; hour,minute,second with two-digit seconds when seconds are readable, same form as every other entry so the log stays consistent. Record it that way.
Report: 6,42
